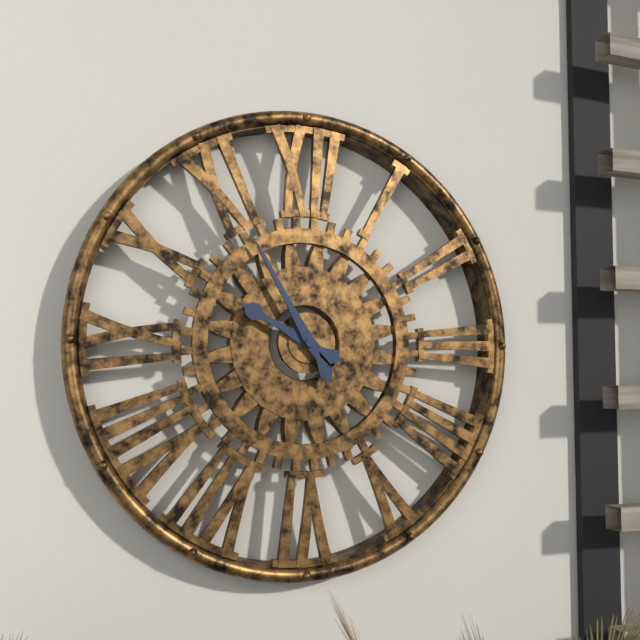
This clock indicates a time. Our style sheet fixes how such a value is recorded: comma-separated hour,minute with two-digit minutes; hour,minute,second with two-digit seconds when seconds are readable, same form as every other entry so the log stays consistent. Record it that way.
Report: 9,55
